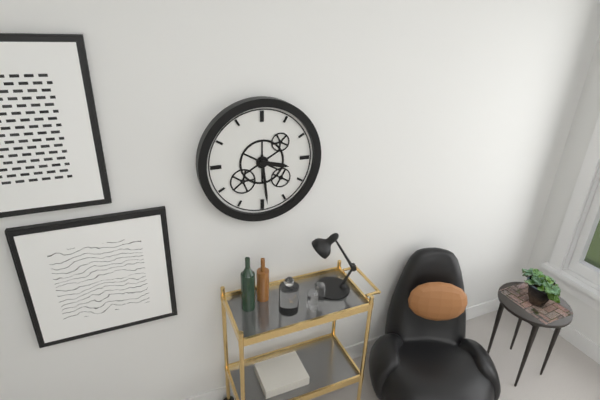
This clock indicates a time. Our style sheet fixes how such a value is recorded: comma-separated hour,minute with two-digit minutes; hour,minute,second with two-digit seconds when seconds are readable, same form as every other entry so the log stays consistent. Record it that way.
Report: 3,29
